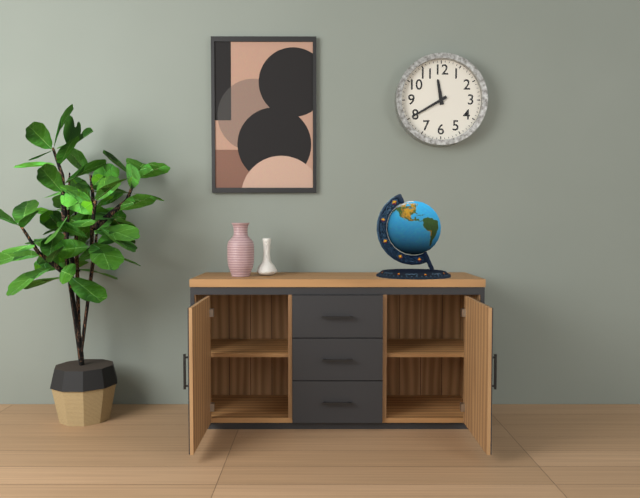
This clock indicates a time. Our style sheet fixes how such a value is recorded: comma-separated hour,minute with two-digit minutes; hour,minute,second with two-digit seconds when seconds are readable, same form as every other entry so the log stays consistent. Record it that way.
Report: 11,40
